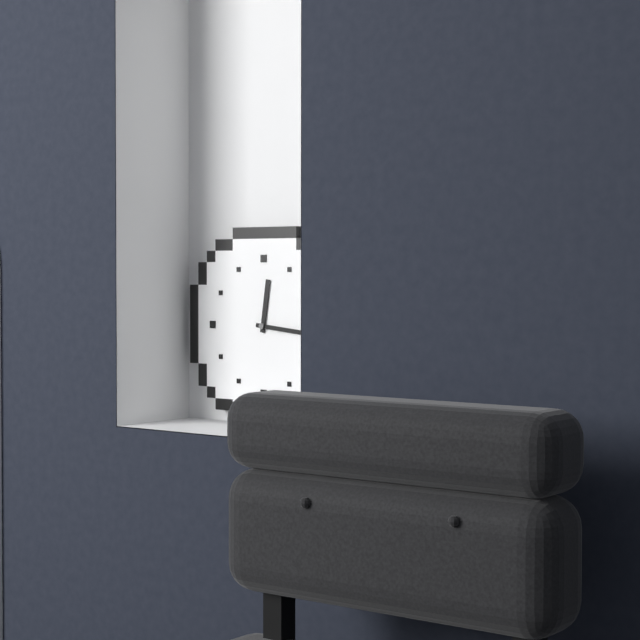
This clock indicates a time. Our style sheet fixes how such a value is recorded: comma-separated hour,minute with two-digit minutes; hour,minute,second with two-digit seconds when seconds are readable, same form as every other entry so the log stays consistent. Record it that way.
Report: 12,16
